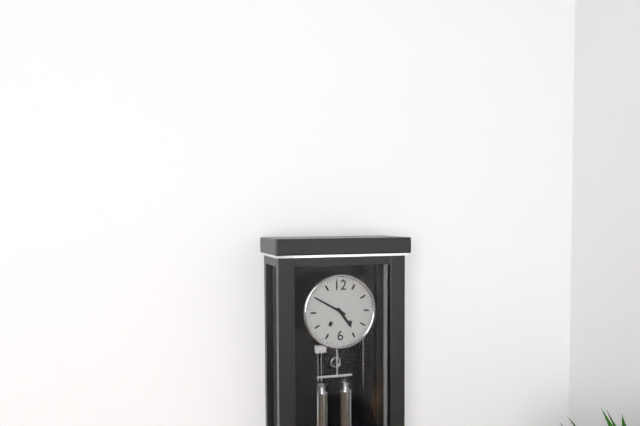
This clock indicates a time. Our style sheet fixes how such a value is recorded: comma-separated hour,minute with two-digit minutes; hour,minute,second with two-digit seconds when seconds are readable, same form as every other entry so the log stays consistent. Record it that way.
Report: 4,50
